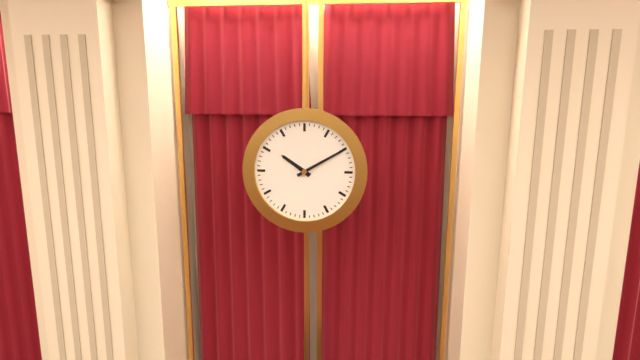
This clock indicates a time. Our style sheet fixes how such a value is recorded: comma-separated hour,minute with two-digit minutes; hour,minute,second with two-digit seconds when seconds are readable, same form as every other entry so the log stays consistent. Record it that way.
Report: 10,10
